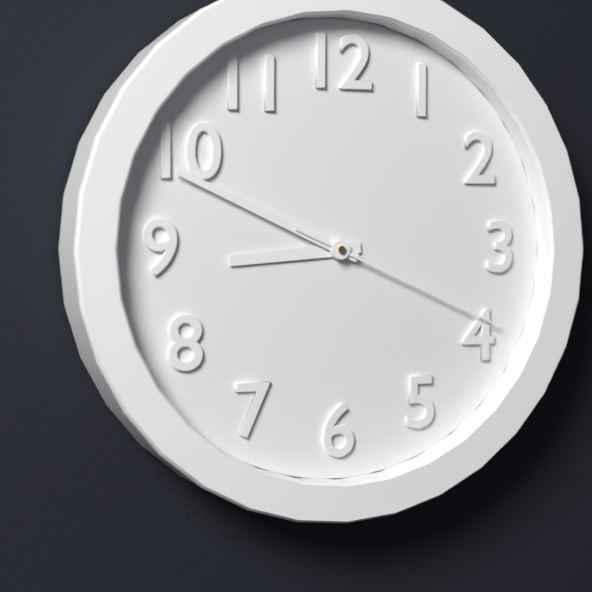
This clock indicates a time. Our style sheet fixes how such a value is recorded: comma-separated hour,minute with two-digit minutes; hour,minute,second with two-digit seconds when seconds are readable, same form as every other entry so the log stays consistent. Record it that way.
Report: 8,49,19
